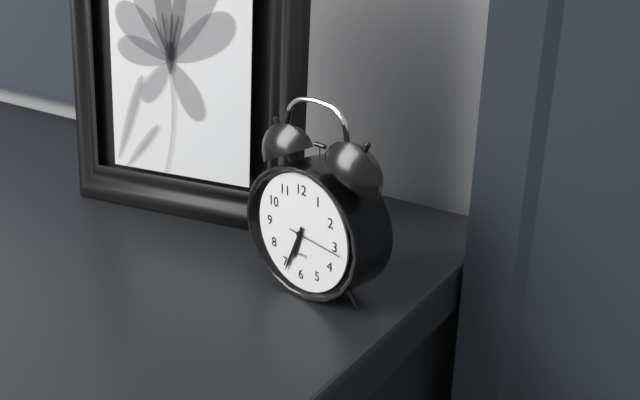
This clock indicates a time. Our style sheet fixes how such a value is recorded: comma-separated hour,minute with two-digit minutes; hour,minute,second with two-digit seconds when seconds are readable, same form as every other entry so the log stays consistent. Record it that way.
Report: 6,34,16
